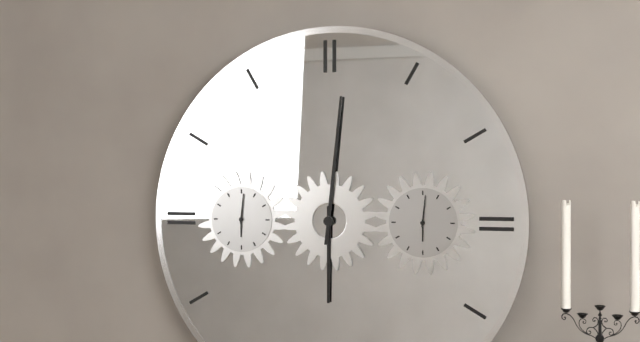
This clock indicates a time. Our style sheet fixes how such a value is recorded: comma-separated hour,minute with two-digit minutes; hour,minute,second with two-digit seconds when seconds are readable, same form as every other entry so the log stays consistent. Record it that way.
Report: 6,01
